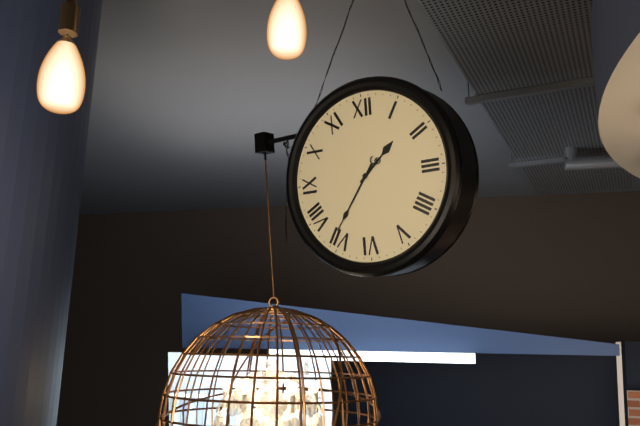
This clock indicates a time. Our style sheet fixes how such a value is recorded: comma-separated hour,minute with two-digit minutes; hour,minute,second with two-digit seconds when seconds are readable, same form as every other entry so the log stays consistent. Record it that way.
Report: 1,36
